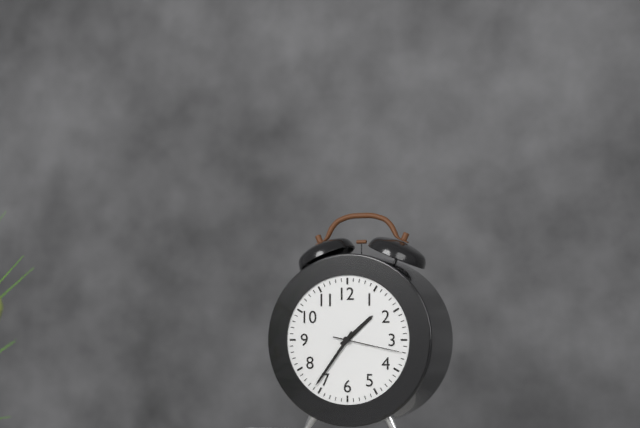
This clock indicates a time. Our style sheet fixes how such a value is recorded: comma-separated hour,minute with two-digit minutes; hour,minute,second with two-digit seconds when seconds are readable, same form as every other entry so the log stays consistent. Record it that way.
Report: 1,36,17
